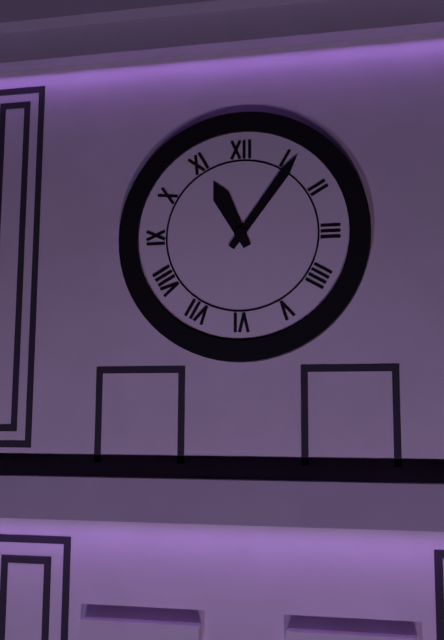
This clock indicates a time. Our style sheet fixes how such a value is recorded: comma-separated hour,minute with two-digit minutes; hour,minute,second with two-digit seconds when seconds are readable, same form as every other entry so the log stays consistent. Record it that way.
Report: 11,06
